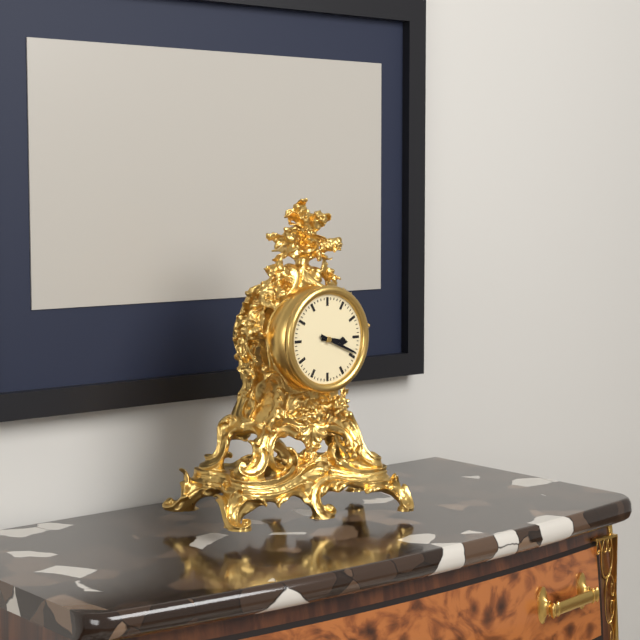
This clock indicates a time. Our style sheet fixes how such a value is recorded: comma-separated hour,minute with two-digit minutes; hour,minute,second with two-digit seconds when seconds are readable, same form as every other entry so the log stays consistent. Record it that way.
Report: 3,19
